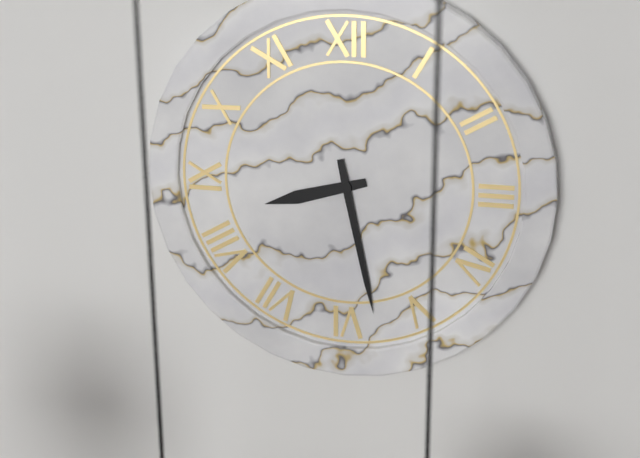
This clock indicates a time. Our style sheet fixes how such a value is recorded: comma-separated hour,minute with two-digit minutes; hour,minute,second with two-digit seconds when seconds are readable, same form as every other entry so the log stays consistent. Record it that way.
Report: 8,28
